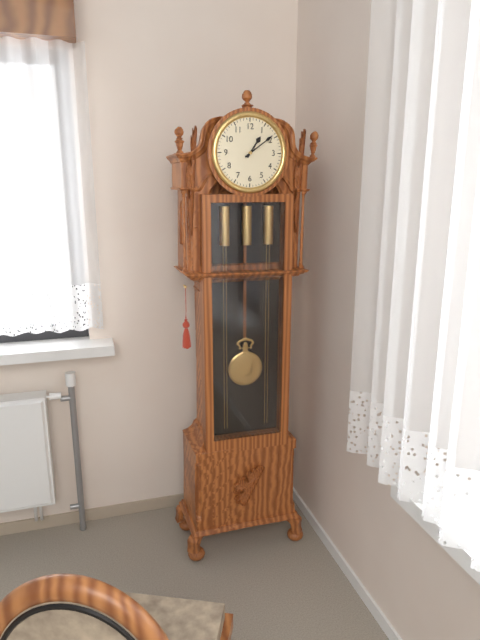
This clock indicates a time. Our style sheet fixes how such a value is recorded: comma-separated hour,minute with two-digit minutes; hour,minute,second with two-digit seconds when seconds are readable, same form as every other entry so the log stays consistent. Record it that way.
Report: 1,09
